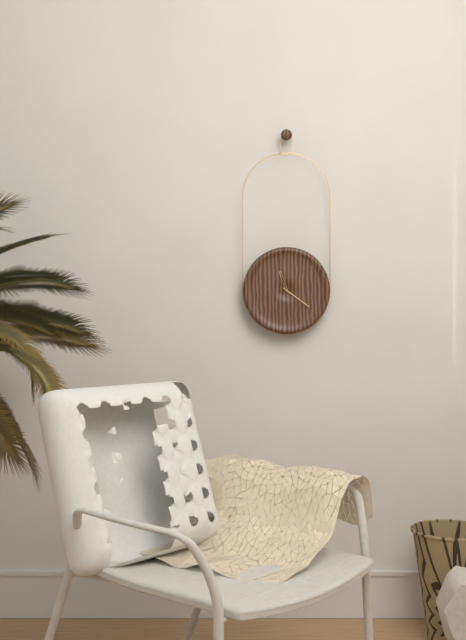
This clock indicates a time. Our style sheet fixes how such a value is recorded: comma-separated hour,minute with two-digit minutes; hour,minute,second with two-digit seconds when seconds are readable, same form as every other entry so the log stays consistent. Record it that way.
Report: 11,21
